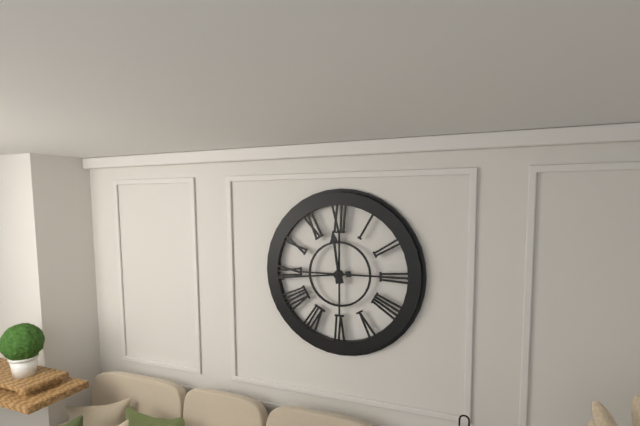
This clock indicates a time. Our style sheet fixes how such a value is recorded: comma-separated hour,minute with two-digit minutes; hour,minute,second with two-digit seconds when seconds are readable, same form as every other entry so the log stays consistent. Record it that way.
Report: 11,44
